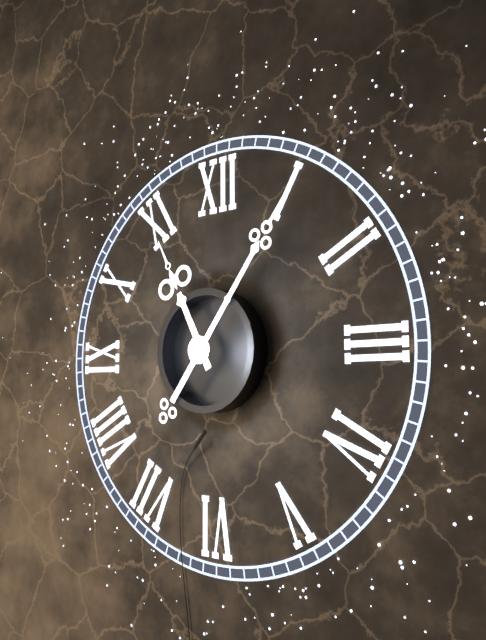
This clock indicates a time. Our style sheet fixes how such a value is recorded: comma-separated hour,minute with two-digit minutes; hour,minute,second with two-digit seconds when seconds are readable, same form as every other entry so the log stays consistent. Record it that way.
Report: 11,06
